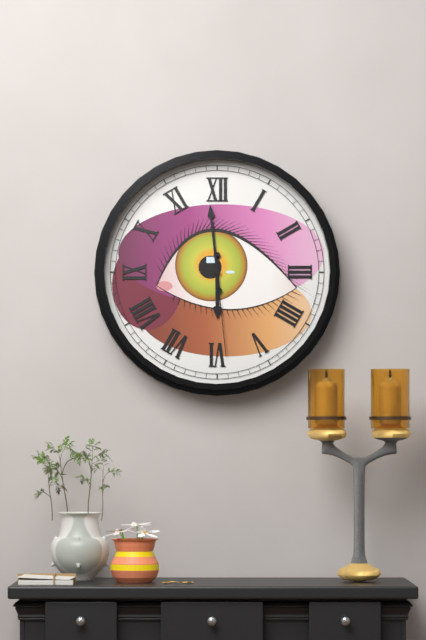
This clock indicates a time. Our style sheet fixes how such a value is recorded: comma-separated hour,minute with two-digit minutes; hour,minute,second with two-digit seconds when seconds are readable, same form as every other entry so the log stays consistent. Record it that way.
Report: 5,59,29
